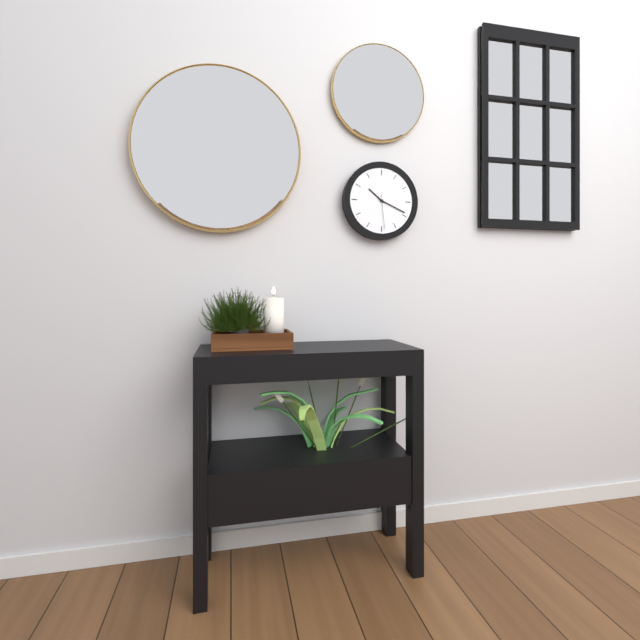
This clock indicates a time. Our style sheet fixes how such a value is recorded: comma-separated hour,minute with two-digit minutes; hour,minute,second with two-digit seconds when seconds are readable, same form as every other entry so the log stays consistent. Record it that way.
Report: 10,19
